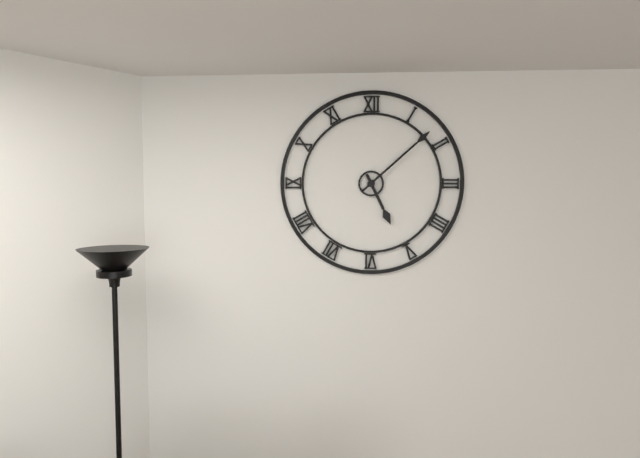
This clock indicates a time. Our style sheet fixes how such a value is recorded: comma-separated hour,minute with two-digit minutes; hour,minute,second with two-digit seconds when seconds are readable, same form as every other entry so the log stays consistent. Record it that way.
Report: 5,08
